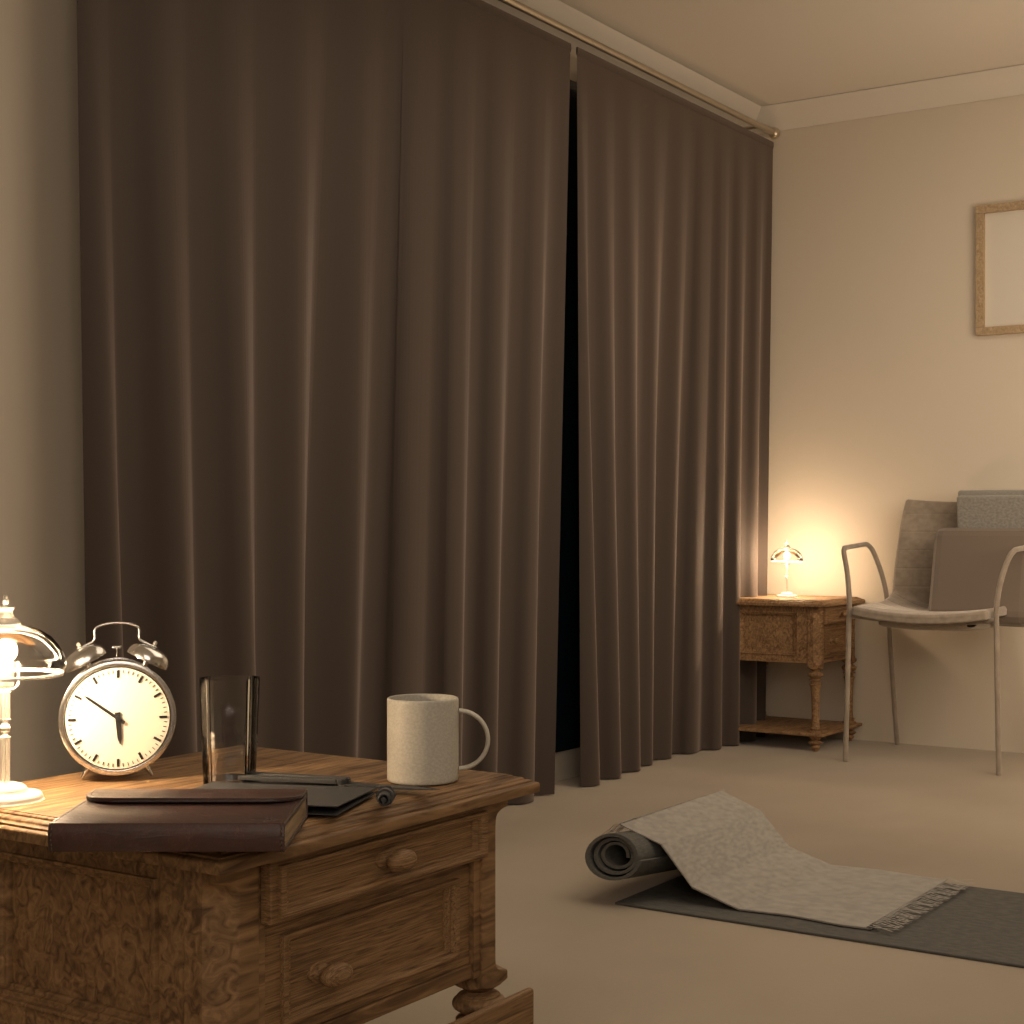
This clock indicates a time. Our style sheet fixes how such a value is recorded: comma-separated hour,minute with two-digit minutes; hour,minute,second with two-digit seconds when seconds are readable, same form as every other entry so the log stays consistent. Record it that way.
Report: 5,51
